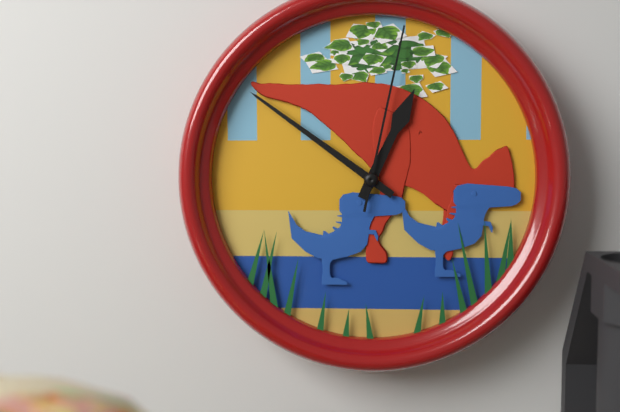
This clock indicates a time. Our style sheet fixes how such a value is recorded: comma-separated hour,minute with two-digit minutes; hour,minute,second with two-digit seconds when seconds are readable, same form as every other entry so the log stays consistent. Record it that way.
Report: 12,51,02
